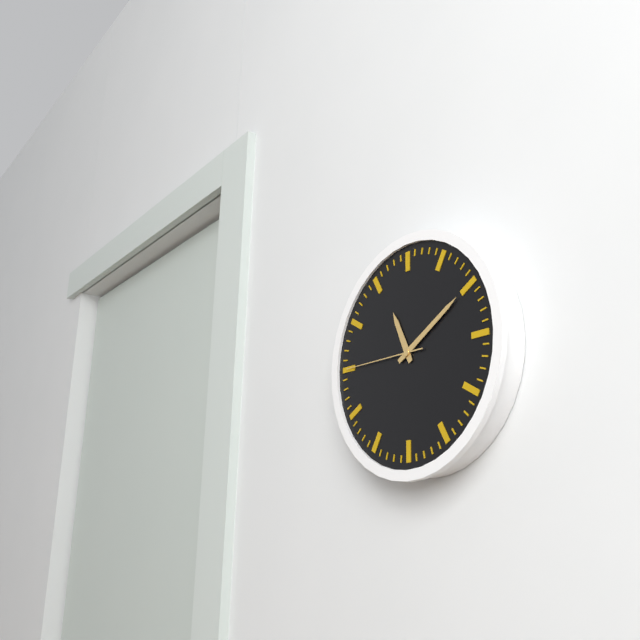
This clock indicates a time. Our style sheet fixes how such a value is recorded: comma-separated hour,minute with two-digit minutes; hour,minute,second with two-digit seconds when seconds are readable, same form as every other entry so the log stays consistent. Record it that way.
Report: 11,10,45
